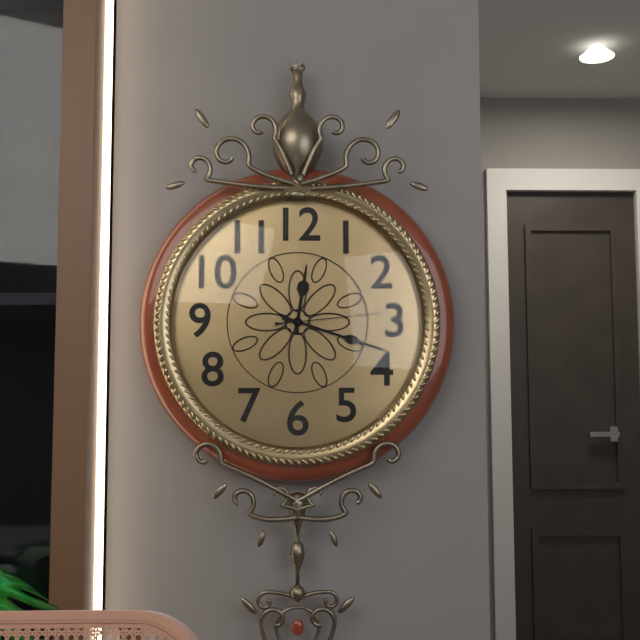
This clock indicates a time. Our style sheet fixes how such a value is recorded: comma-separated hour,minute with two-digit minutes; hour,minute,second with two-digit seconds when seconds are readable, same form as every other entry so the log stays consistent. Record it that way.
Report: 12,18,14
